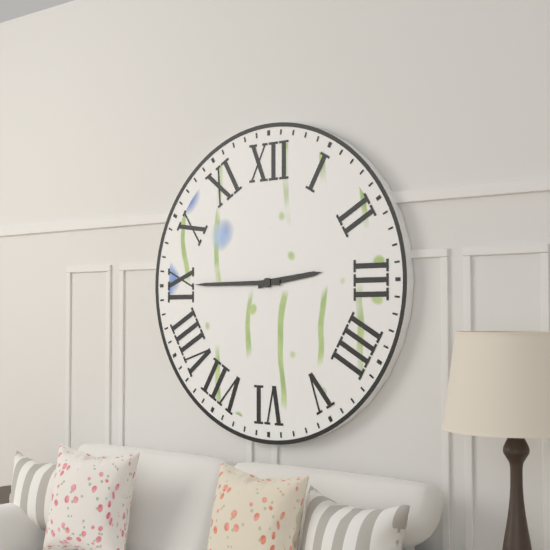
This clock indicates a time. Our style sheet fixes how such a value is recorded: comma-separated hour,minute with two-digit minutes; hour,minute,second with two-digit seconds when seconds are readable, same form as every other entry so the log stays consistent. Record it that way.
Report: 2,45
